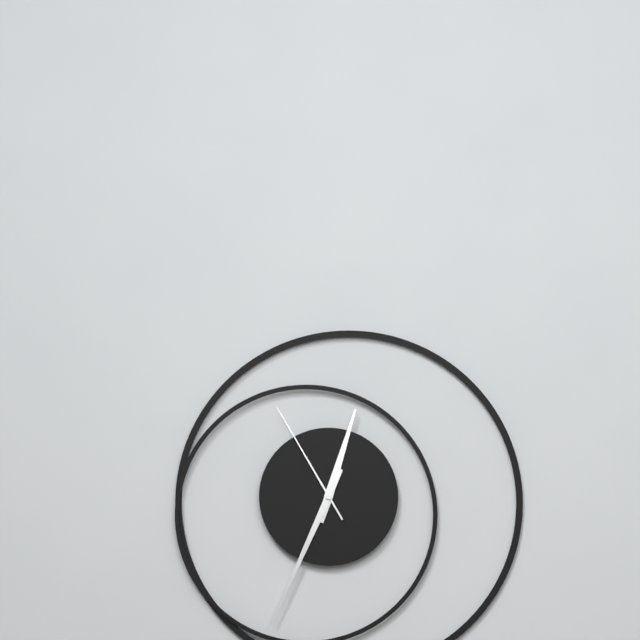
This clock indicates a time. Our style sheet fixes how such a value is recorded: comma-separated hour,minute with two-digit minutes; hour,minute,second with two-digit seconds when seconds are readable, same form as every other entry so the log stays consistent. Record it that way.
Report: 12,34,55
